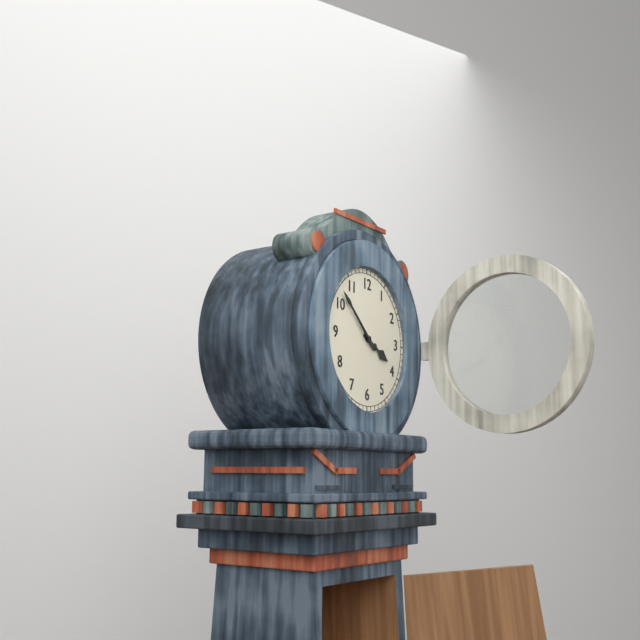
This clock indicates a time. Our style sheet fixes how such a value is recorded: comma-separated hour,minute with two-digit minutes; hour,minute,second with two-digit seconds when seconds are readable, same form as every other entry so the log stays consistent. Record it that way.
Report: 3,52
